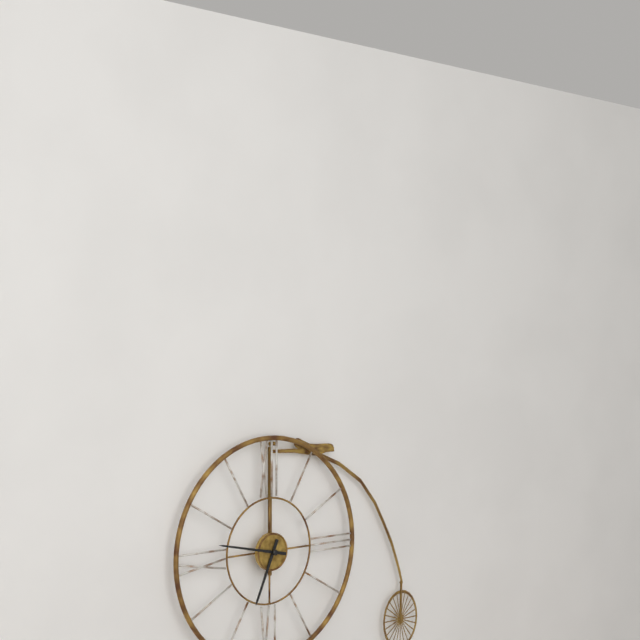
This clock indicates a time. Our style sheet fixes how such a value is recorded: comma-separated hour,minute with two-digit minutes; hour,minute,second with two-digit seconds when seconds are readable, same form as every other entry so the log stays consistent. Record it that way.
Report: 6,47
